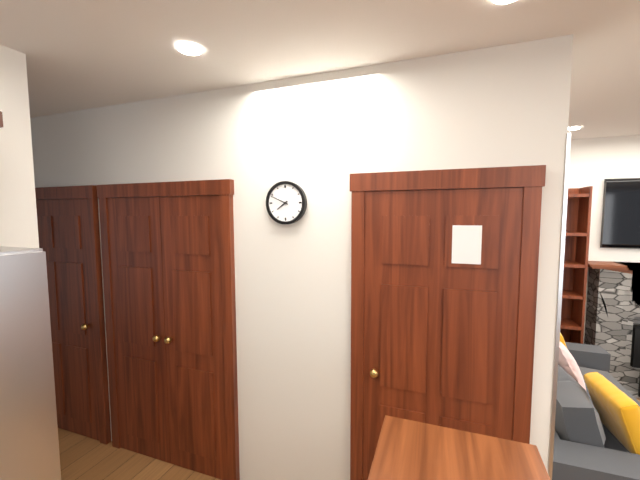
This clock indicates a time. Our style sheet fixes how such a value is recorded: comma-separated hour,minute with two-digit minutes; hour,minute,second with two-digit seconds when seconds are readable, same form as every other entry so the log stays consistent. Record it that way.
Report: 7,49
